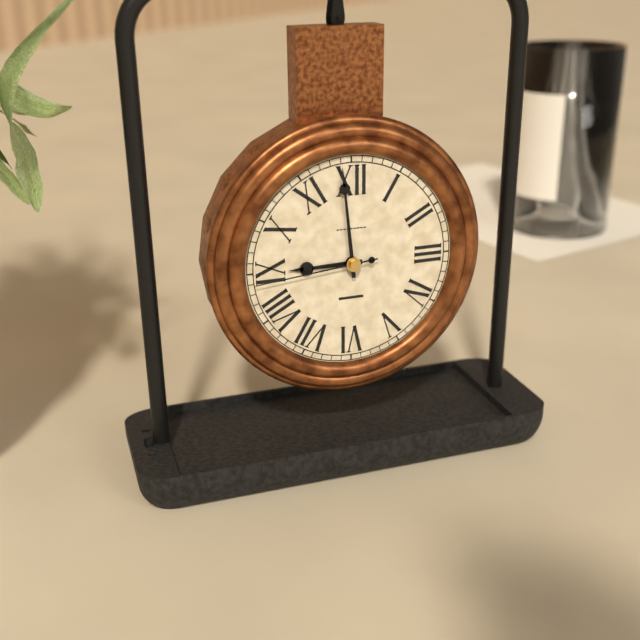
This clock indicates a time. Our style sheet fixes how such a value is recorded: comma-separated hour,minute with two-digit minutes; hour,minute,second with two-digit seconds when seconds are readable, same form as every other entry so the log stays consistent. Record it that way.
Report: 8,59,44
